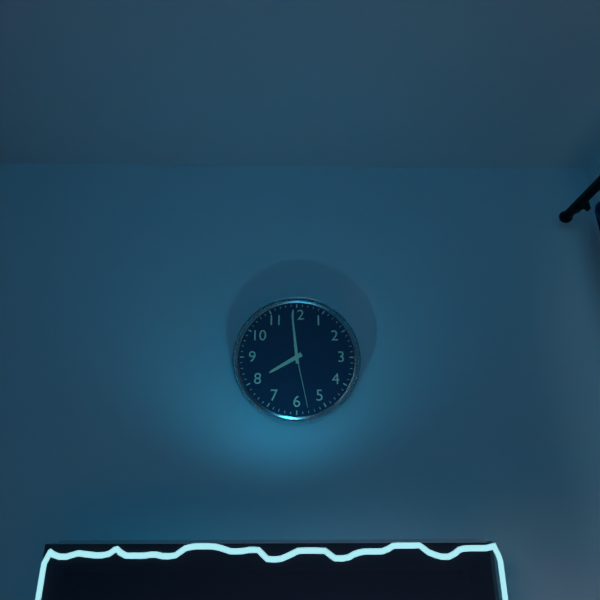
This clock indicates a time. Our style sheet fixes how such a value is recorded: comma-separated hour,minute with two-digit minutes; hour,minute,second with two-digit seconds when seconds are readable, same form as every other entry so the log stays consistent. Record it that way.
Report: 7,59,28
